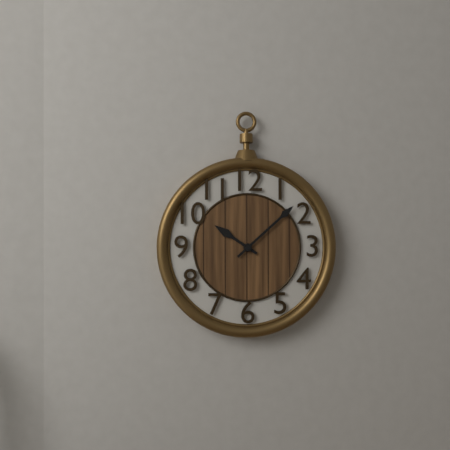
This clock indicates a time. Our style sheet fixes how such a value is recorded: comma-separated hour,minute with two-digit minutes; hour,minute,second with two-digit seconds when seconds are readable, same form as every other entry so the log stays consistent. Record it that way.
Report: 10,08
